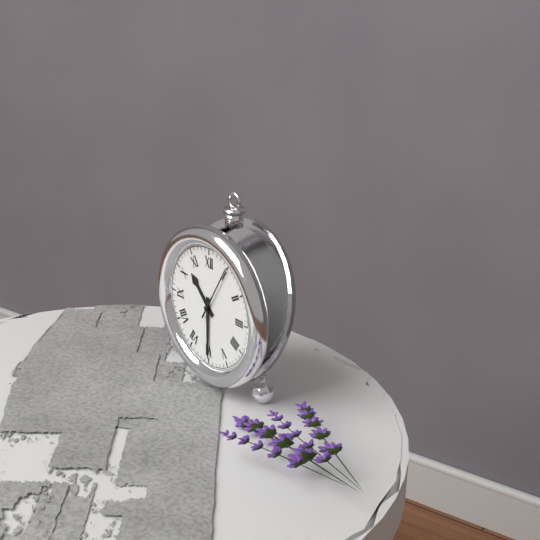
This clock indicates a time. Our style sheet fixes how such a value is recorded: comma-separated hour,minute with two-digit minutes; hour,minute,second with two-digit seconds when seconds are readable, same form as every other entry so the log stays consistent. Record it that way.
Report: 10,30,05
